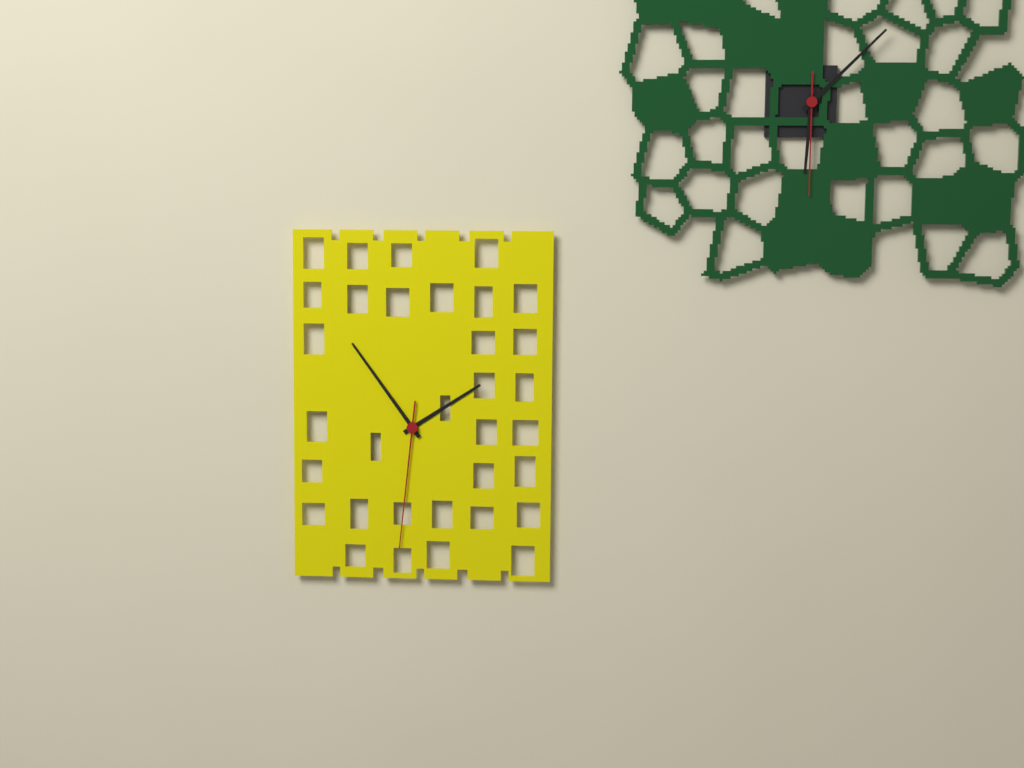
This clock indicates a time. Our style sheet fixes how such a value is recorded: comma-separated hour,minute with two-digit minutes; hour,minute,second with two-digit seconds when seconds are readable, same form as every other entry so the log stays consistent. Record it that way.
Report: 1,54,31
